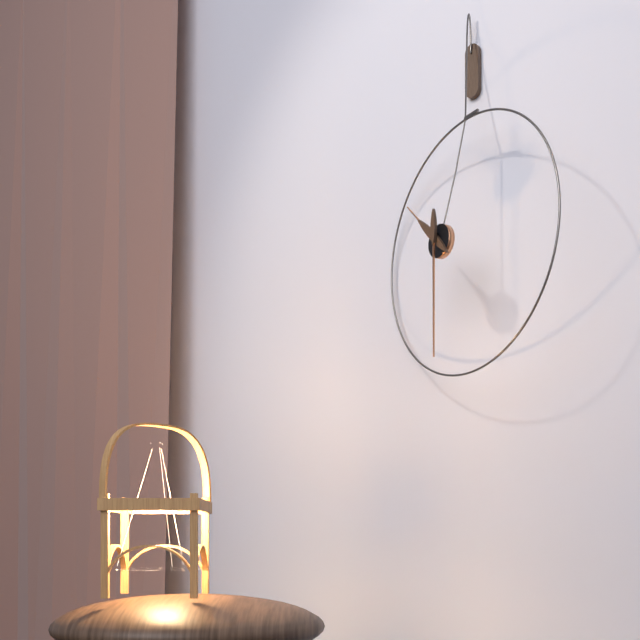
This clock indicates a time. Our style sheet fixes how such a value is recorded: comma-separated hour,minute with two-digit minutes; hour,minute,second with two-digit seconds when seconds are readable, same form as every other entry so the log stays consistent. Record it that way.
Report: 10,30
